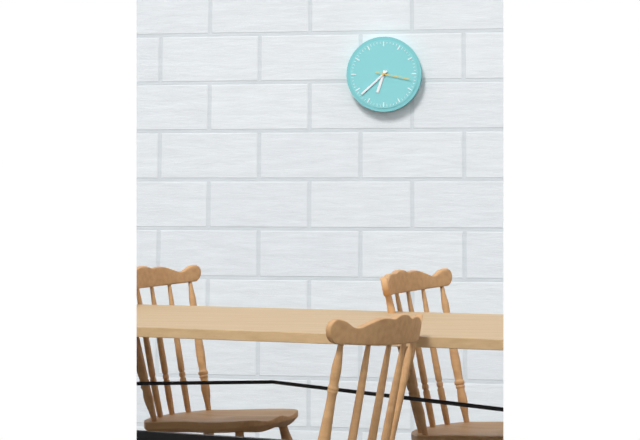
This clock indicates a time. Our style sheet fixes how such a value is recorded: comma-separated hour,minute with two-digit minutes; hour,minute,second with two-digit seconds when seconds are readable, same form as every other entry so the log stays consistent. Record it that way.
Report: 6,38
